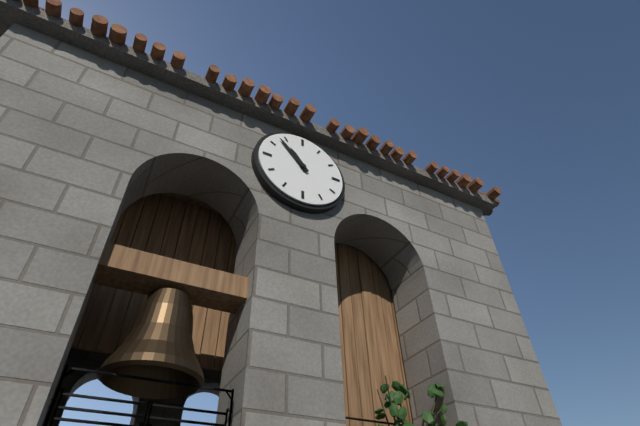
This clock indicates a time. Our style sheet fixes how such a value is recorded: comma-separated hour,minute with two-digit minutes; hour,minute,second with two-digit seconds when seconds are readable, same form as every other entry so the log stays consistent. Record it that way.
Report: 10,53
